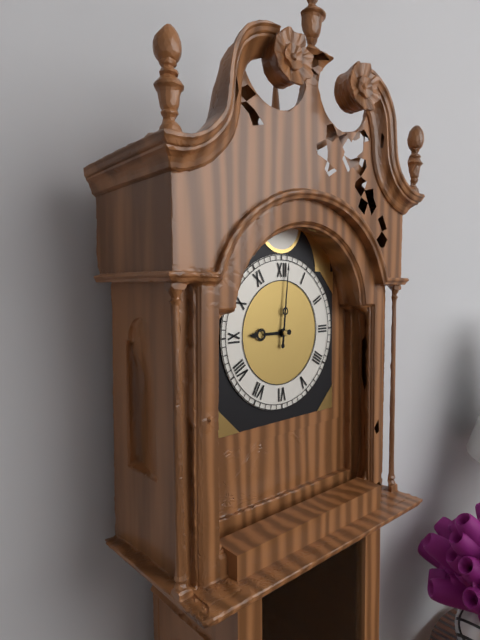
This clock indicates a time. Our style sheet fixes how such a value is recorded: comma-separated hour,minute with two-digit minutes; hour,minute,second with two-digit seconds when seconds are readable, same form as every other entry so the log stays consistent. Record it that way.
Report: 9,01
